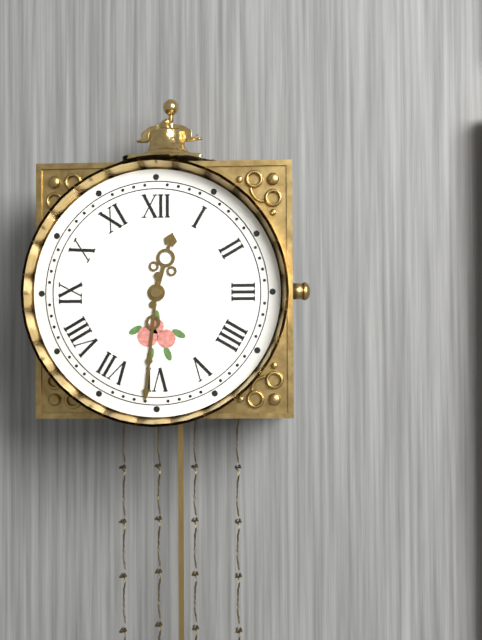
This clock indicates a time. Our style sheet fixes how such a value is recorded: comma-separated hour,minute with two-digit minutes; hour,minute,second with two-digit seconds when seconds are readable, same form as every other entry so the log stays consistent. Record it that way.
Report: 12,31
